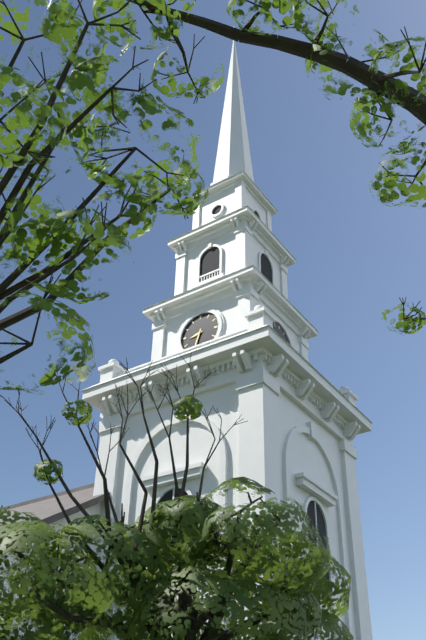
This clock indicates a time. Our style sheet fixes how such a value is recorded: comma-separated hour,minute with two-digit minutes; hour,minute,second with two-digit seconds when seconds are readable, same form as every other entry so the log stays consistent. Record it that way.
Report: 8,33
